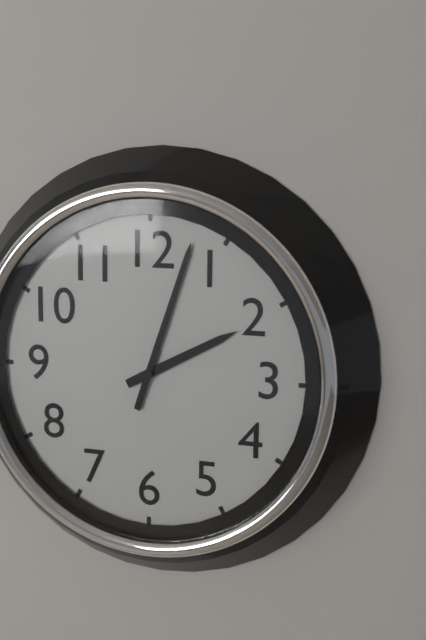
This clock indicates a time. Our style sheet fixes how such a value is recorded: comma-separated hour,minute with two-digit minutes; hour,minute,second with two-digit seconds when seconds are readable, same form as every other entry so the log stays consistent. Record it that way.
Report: 2,03
